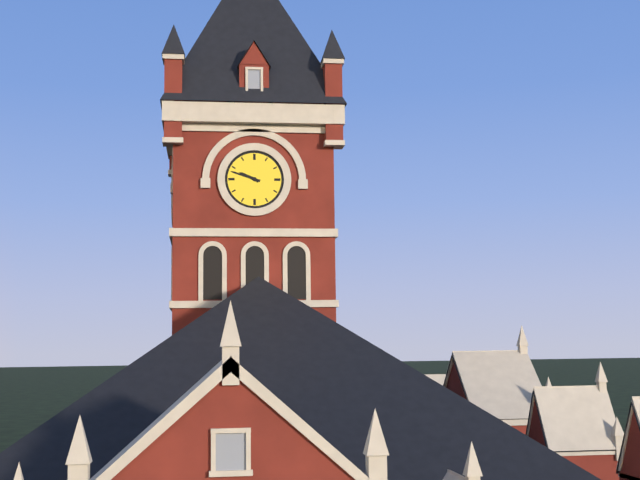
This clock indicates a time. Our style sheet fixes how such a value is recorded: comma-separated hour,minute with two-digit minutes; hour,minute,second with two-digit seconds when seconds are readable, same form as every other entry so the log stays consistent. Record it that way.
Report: 9,48
